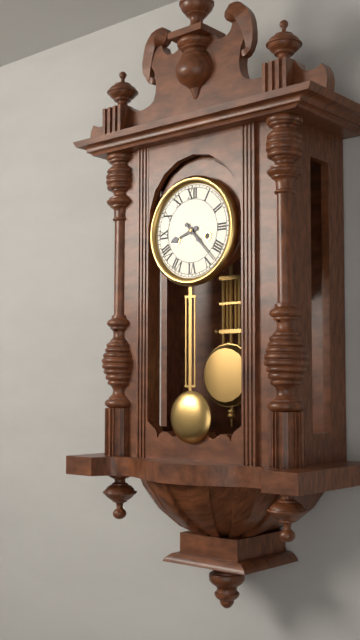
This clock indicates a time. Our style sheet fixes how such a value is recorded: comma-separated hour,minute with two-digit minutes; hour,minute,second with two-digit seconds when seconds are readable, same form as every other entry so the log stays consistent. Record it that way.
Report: 8,23
